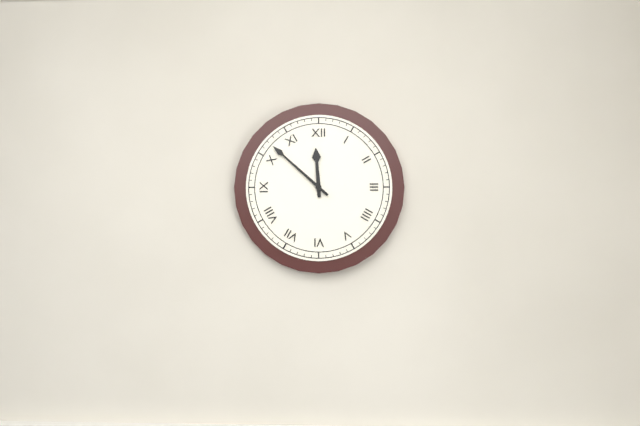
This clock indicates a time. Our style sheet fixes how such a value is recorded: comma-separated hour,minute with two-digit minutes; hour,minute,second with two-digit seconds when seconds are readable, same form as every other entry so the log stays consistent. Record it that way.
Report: 11,52
